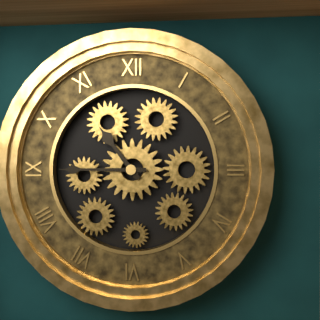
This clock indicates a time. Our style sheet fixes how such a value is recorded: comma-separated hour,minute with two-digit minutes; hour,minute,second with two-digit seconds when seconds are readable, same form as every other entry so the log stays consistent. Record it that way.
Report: 10,45
